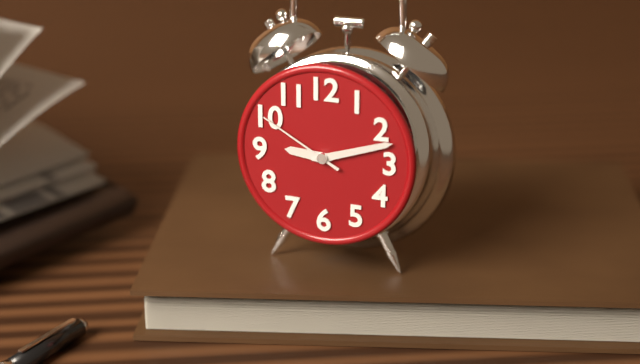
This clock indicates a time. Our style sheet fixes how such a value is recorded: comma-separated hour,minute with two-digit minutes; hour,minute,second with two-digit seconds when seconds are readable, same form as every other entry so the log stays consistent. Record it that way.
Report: 9,12,50
